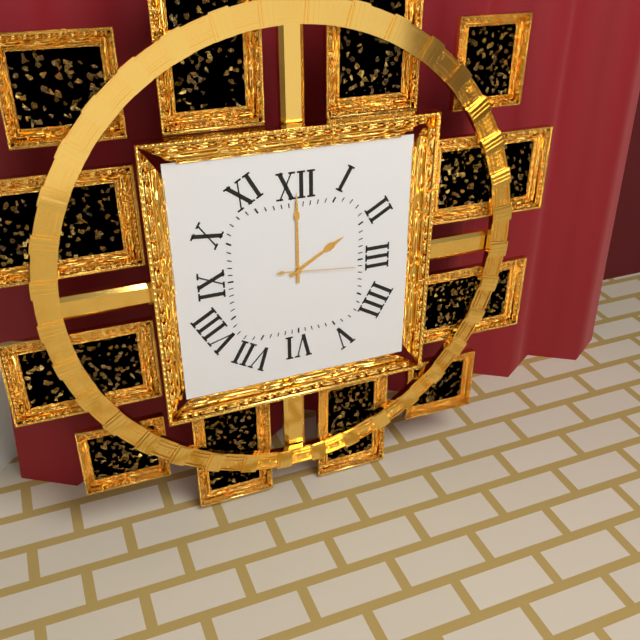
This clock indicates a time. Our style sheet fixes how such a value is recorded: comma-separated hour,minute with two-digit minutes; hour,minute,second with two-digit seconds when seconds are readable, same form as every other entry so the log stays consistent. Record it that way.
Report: 2,00,16
